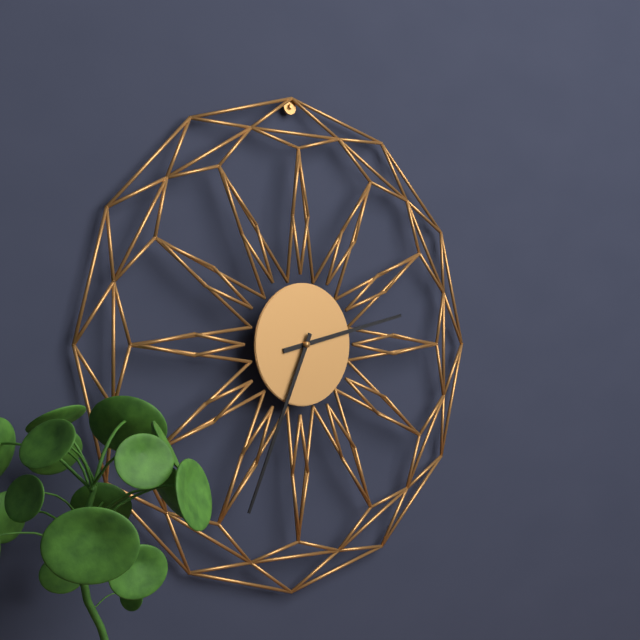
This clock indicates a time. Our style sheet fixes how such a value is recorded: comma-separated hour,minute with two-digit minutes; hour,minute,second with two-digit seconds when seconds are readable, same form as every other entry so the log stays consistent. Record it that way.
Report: 2,34
